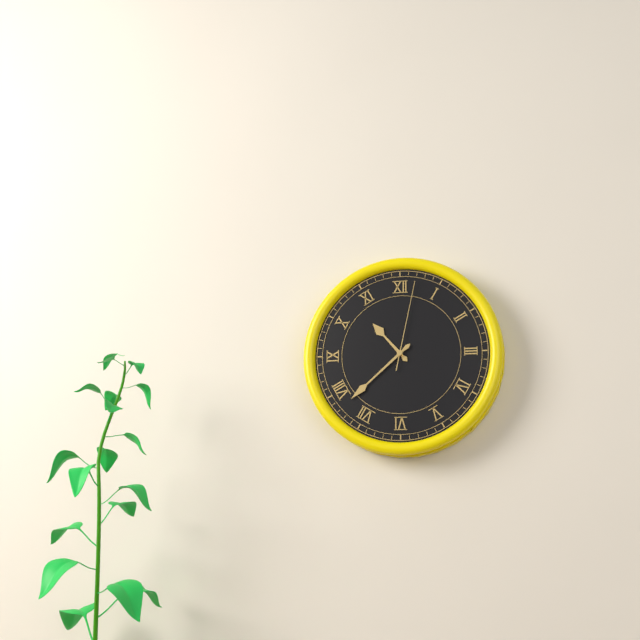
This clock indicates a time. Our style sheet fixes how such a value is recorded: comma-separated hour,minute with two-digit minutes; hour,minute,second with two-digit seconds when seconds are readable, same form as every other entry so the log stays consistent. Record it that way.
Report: 10,38,02
